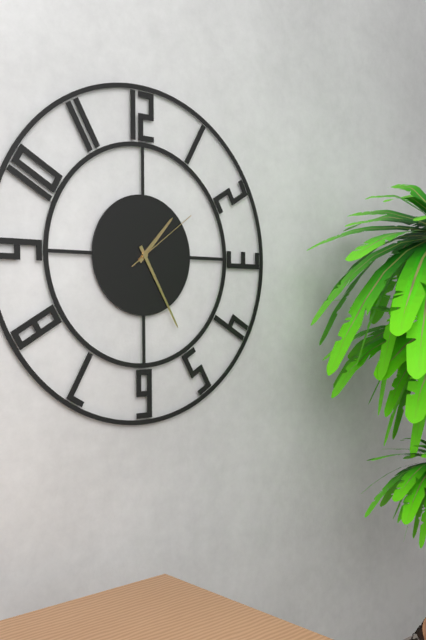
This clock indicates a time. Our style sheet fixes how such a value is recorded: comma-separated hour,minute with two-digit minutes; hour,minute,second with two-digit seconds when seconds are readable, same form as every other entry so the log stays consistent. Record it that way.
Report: 1,25,09
